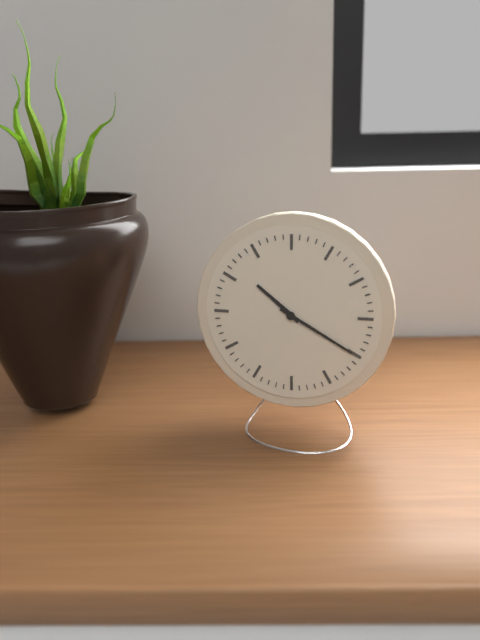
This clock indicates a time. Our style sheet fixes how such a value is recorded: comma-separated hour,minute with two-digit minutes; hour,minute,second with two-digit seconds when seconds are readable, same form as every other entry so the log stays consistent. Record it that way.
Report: 10,20
